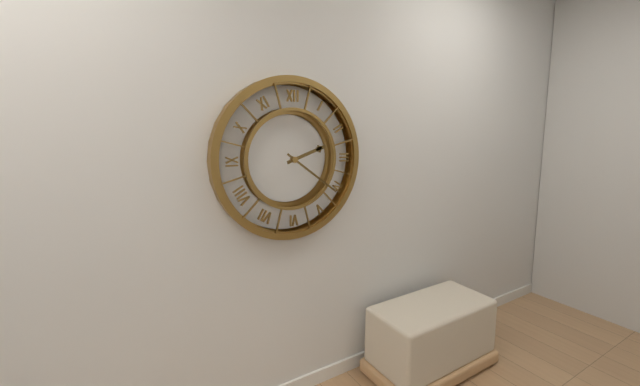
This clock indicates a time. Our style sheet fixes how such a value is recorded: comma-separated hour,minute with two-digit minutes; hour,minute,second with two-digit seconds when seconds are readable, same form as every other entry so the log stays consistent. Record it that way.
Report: 2,21
